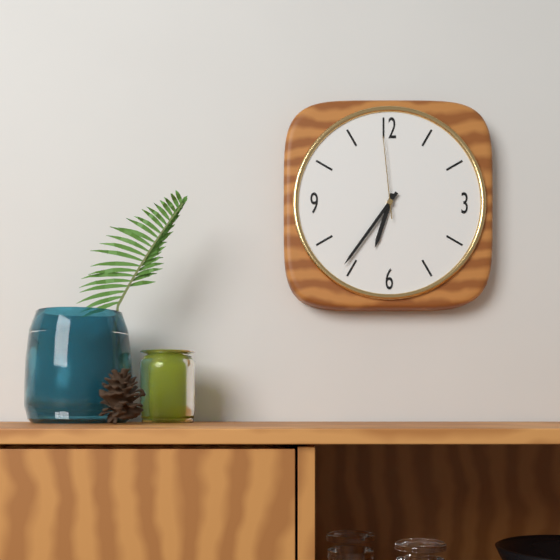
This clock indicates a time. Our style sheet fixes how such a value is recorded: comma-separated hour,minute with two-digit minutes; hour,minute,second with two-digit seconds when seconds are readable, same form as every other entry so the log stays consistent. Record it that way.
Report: 6,36,59
